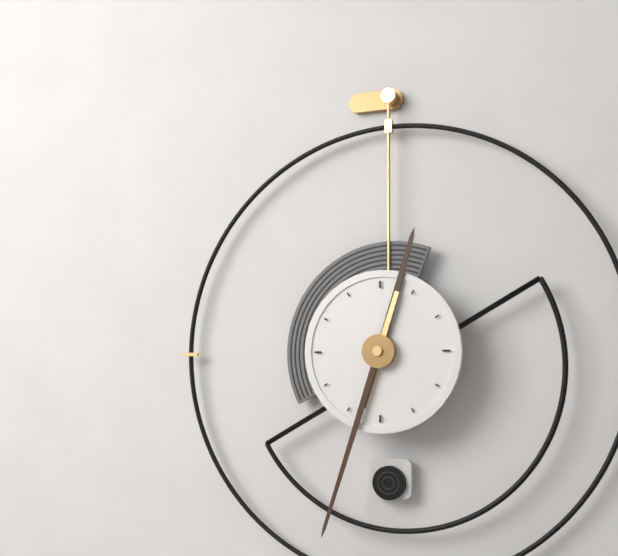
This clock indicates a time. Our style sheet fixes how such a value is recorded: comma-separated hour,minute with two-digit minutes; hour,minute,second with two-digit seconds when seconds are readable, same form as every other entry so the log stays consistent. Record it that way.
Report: 12,33
